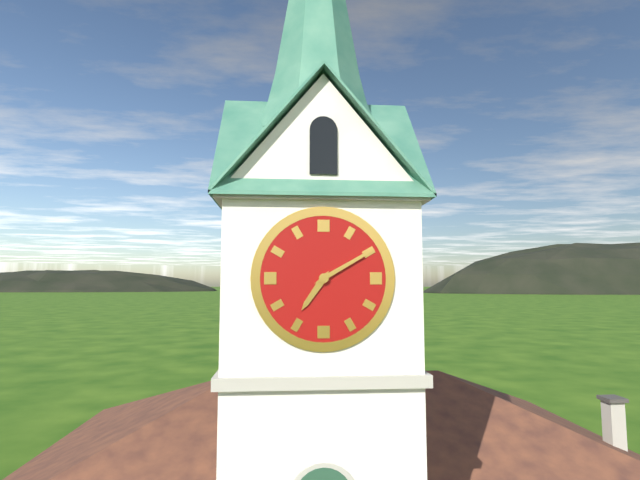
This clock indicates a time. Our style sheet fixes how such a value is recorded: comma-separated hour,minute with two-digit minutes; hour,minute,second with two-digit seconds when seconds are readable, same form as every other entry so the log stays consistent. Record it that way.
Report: 7,10
